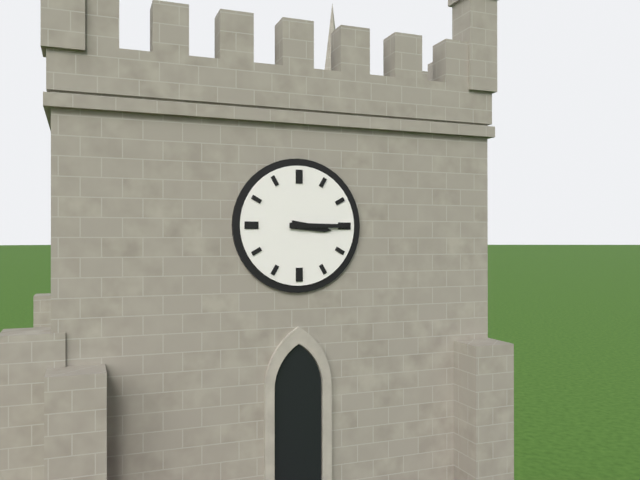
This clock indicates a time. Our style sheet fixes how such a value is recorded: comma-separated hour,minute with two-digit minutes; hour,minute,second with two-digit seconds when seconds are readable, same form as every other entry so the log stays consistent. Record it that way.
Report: 3,15
